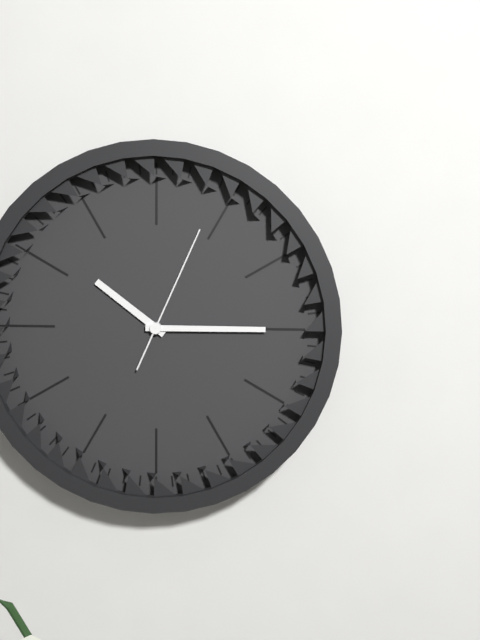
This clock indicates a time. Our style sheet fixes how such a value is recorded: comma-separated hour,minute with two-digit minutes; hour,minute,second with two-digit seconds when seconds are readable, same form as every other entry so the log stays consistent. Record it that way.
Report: 10,15,04
